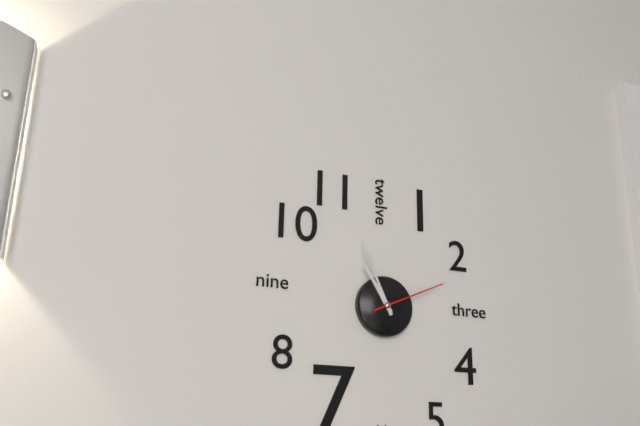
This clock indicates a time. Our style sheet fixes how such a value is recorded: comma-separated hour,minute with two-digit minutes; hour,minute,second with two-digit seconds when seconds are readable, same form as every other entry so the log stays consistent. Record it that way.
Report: 10,56,11
